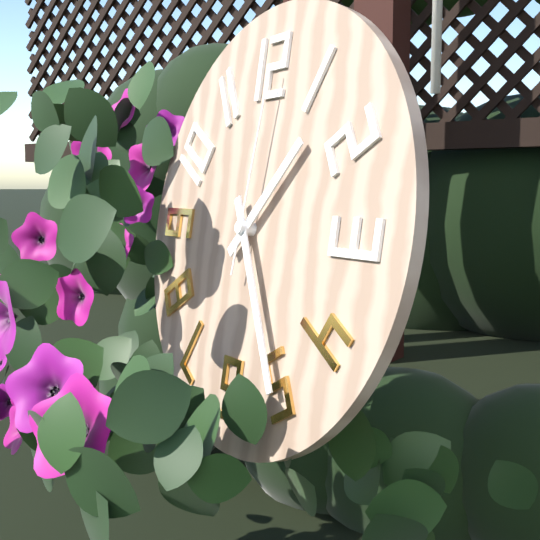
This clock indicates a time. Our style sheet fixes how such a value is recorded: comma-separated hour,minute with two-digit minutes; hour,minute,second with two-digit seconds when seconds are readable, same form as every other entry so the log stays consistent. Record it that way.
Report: 1,25,01
